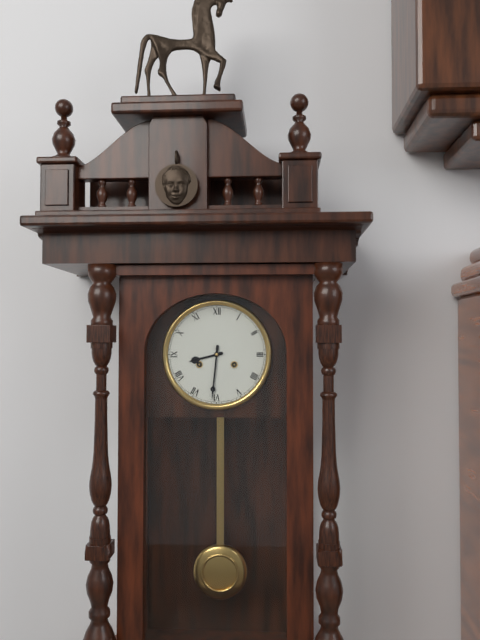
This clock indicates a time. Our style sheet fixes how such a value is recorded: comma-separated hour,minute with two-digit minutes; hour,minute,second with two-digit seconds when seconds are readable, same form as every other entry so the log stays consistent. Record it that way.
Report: 8,31
